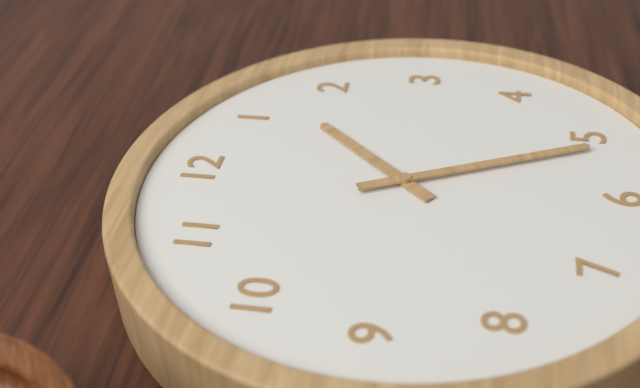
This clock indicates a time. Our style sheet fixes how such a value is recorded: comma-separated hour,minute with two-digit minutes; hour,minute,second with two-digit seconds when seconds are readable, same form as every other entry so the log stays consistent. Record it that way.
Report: 1,26
